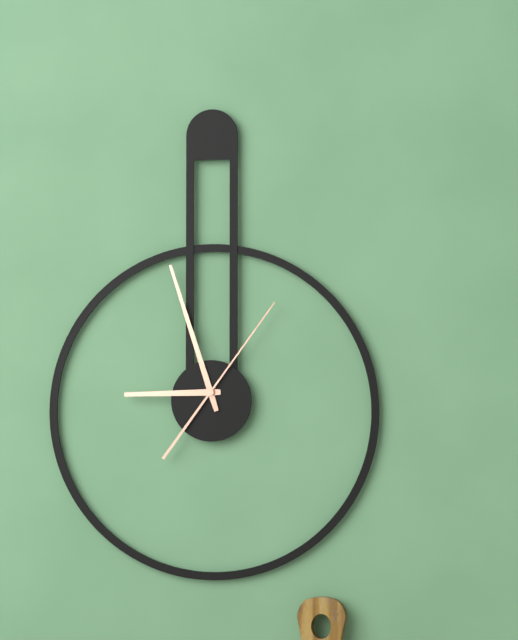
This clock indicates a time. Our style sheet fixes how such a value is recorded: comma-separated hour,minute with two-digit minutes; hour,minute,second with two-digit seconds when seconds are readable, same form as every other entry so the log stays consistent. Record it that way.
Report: 8,57,06
